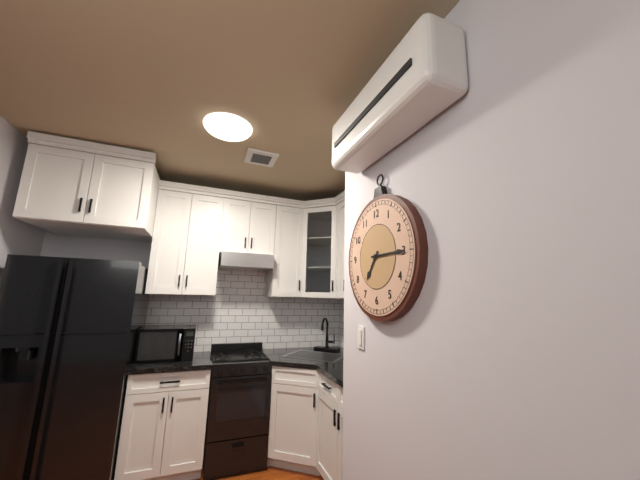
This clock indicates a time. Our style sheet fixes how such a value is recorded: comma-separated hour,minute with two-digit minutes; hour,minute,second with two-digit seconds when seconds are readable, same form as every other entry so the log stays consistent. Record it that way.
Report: 7,15
